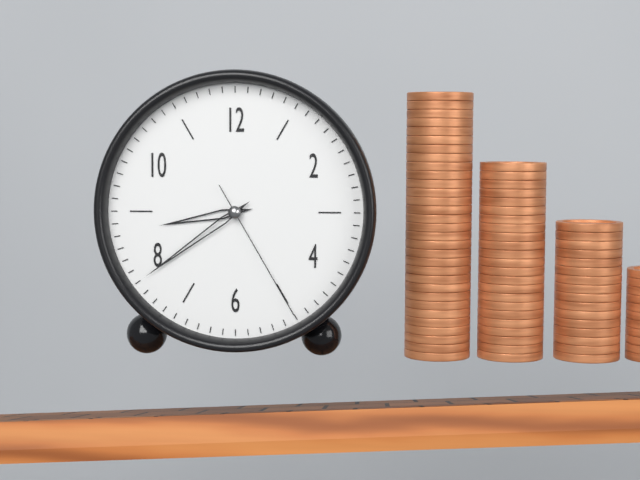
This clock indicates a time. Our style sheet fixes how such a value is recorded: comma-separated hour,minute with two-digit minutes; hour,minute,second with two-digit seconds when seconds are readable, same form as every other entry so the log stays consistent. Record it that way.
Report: 8,39,25
